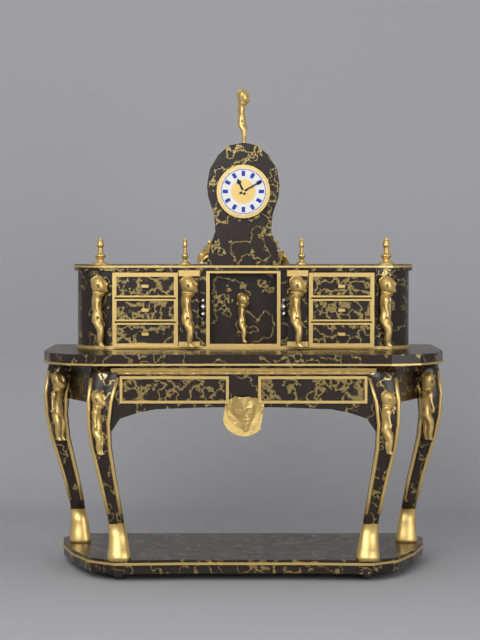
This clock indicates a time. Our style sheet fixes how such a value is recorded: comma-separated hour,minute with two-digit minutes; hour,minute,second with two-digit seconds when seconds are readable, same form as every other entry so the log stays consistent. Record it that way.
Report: 11,10
